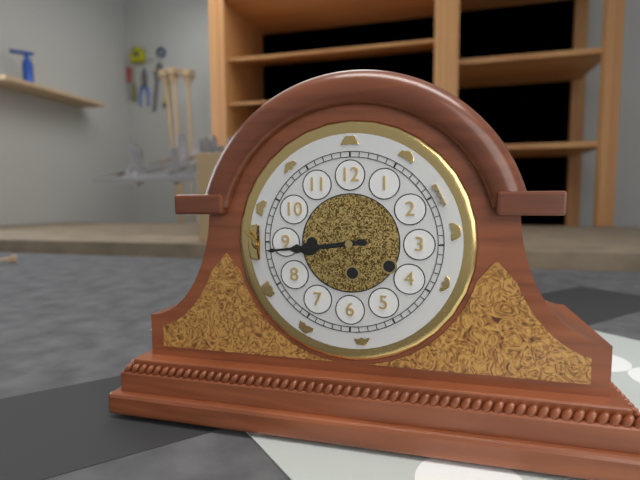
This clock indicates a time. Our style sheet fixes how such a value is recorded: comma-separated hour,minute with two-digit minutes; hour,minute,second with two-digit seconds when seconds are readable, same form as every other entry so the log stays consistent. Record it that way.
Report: 8,44
